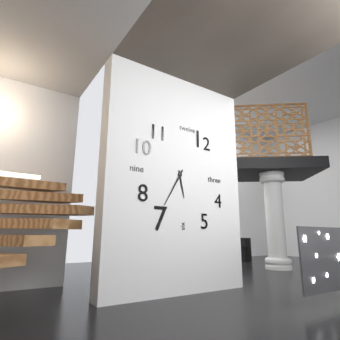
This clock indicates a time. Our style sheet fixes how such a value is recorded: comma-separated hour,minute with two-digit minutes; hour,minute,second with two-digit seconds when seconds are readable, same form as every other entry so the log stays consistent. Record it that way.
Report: 5,35
